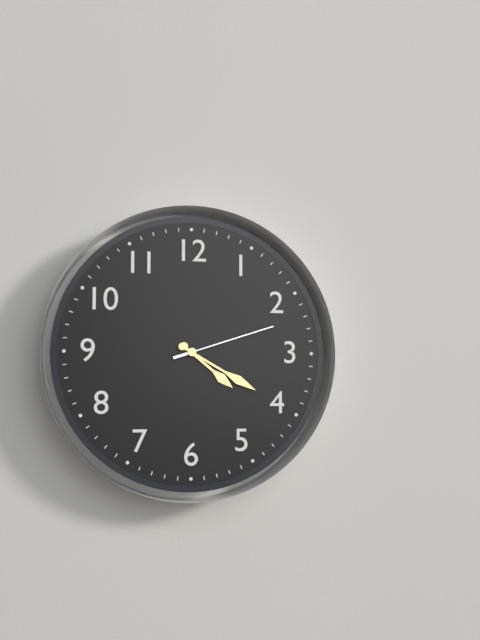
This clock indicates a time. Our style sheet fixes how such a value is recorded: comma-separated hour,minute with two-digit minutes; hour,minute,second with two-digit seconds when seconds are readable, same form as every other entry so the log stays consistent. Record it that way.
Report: 4,20,12
